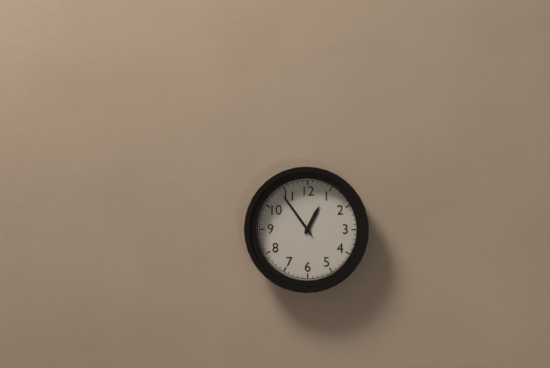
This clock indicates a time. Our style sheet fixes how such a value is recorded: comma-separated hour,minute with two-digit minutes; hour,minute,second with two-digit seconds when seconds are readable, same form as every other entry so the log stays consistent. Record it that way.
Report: 12,54
